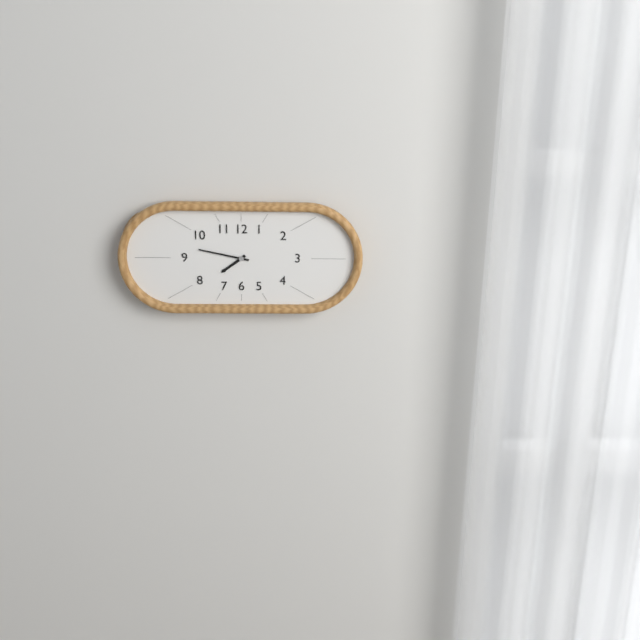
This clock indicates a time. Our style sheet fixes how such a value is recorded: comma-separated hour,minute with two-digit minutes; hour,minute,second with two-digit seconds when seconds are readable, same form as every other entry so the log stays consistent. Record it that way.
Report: 7,47
